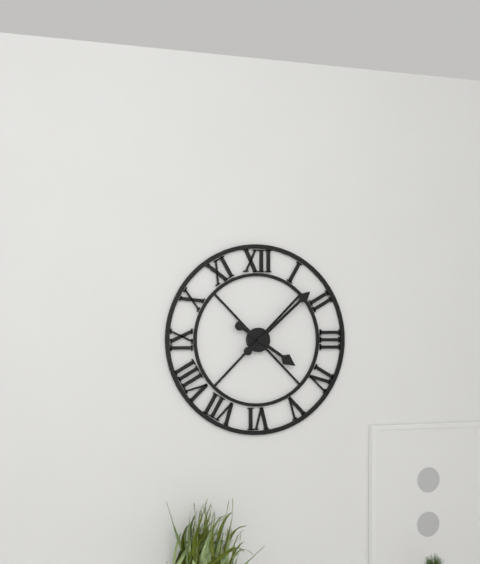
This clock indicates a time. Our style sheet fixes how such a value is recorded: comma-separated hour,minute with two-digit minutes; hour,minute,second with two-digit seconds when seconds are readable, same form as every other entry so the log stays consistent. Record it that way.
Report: 4,08
